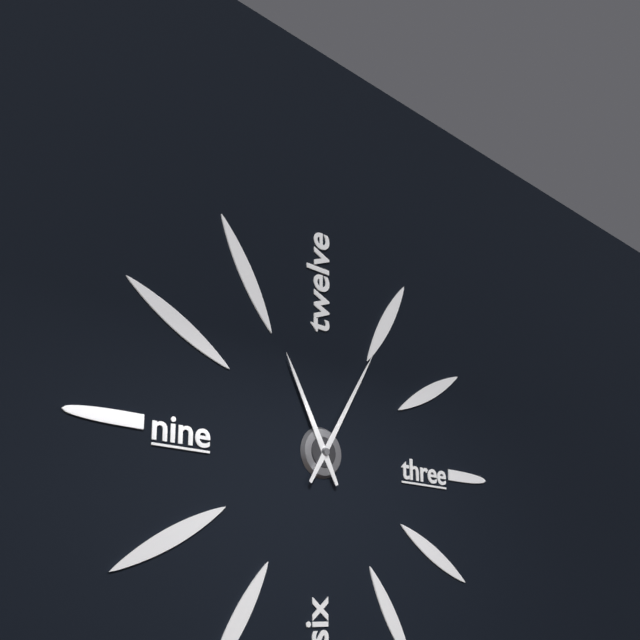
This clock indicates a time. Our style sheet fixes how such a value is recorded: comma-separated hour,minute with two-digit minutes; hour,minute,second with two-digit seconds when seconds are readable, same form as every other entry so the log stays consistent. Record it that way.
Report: 11,05
